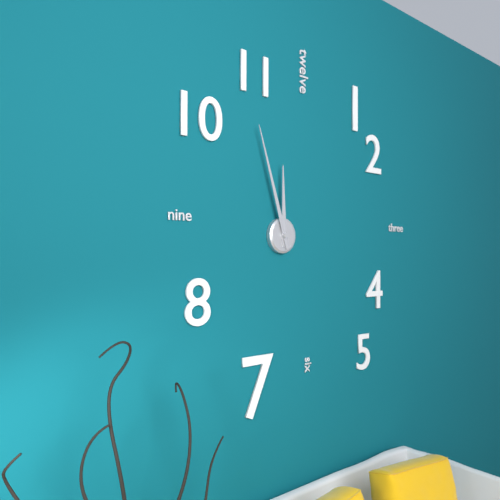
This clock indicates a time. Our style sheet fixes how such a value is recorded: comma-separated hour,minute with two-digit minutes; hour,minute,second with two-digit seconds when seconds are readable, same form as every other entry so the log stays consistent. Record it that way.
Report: 11,57
